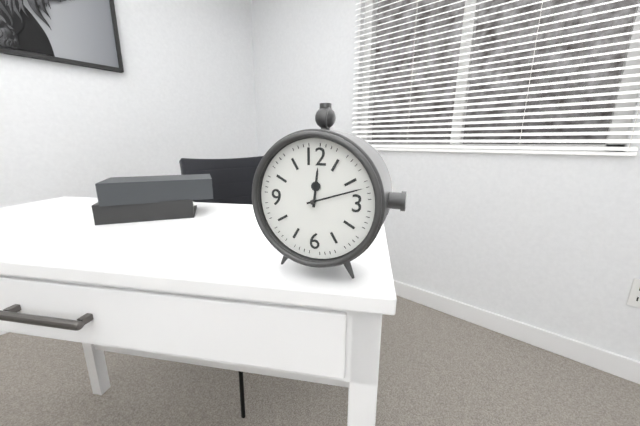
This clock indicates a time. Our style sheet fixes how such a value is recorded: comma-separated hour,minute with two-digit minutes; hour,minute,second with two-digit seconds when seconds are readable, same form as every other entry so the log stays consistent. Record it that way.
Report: 12,12
